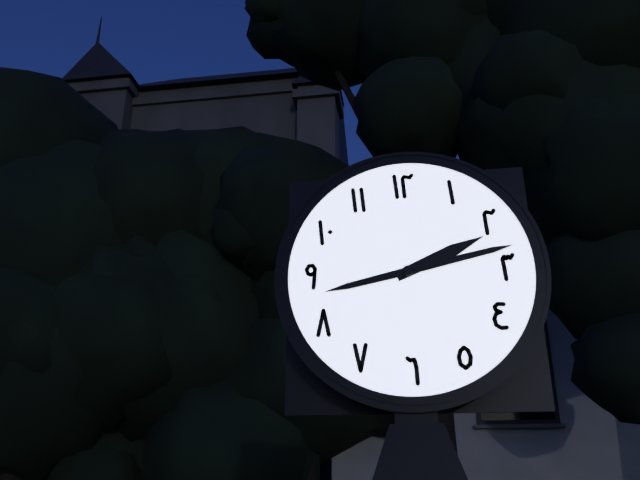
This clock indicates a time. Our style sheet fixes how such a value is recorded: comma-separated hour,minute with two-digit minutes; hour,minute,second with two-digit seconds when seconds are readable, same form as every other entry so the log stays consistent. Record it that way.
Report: 2,13
